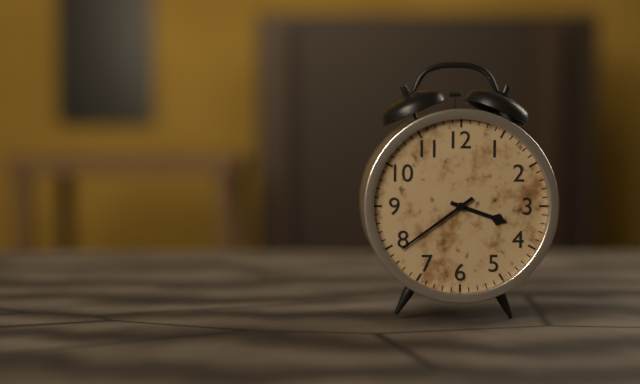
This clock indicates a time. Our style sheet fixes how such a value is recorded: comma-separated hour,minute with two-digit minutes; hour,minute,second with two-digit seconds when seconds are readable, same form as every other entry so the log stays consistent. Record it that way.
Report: 3,39
